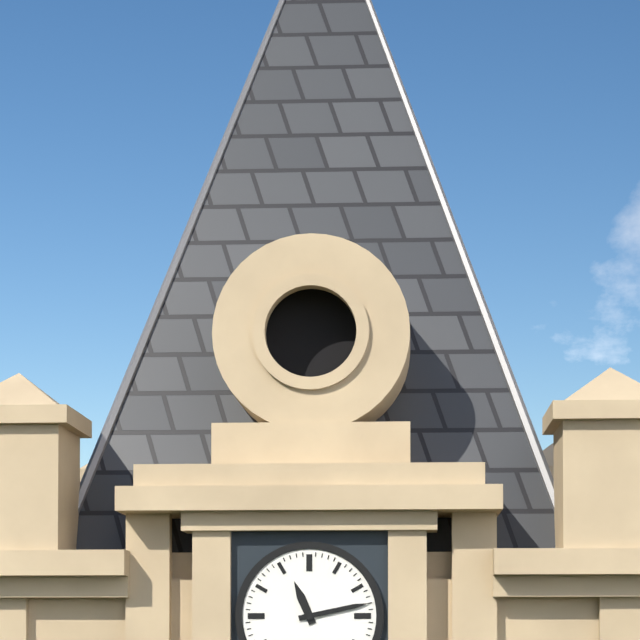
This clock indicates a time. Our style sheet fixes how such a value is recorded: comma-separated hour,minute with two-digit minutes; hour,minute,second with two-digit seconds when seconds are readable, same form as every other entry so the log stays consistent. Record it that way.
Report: 11,13
